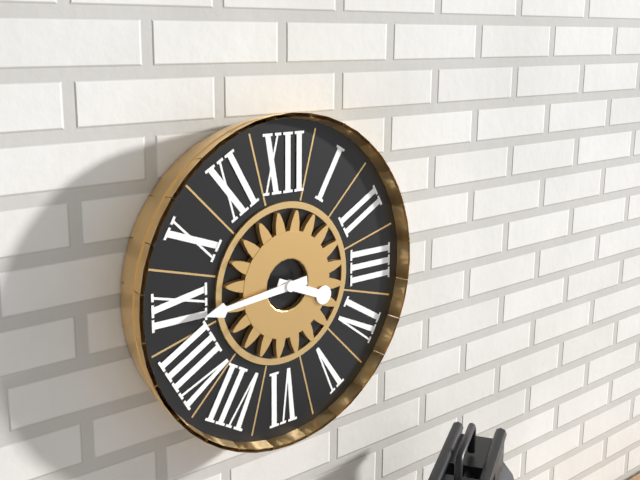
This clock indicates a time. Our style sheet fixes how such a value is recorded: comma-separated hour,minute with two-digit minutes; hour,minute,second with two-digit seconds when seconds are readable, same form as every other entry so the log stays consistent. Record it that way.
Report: 3,44
